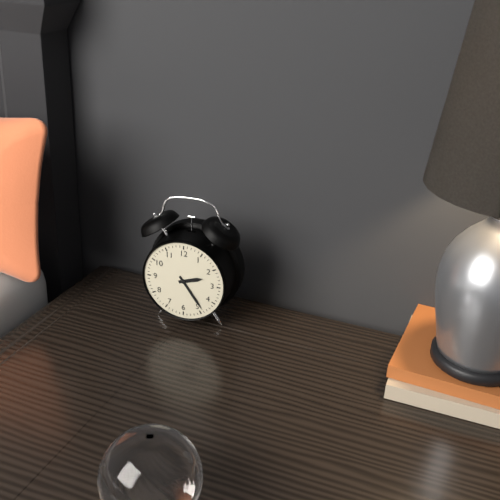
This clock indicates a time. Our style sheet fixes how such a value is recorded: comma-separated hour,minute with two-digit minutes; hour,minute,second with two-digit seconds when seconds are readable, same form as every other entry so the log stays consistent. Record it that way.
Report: 2,24
